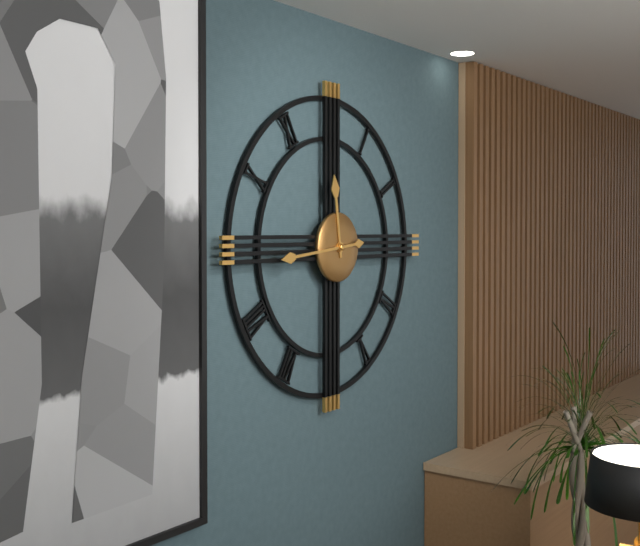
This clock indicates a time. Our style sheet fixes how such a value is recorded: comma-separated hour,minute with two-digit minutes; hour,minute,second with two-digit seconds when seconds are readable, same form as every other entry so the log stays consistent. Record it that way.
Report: 11,44
